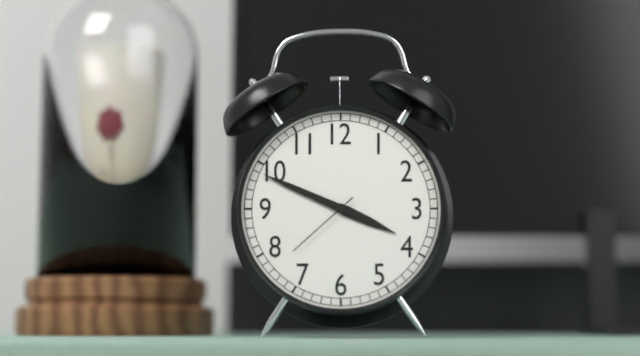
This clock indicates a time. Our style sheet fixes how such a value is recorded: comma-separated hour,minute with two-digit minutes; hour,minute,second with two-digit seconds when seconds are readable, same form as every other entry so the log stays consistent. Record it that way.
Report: 3,49,38
